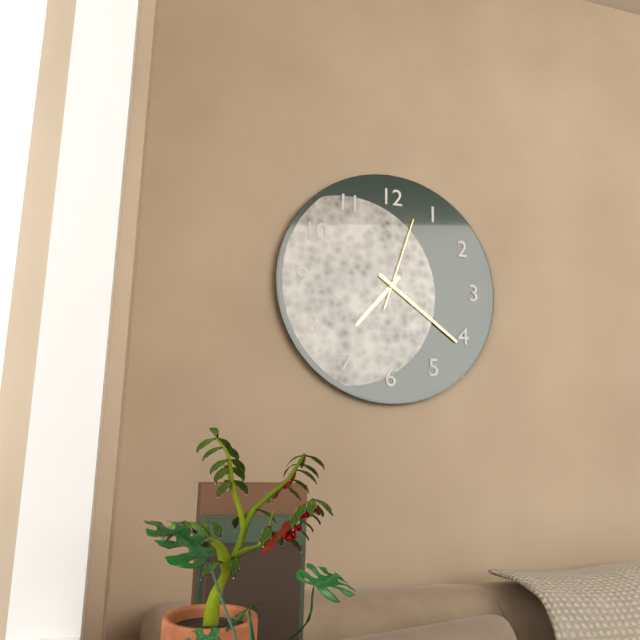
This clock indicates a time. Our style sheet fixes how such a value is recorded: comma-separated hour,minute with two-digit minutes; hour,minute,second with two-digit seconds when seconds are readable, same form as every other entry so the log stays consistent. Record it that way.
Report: 7,21,03
